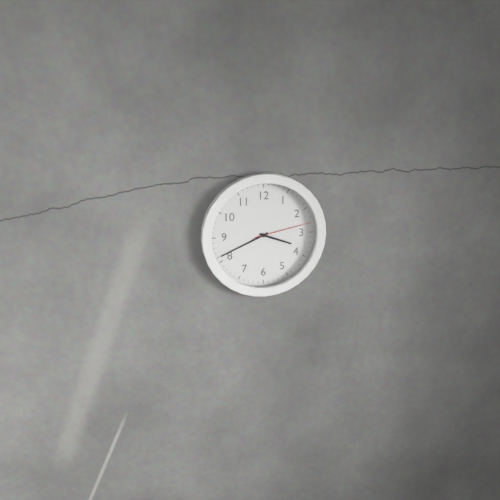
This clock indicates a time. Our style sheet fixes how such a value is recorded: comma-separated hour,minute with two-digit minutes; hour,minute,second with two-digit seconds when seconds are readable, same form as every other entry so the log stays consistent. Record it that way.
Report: 3,41,13
